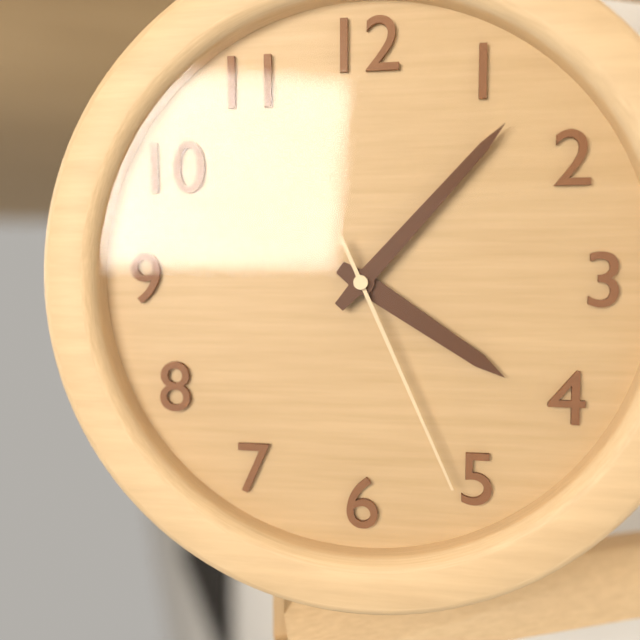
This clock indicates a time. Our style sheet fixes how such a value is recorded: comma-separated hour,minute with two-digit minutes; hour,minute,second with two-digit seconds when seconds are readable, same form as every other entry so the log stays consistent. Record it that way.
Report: 4,07,26
